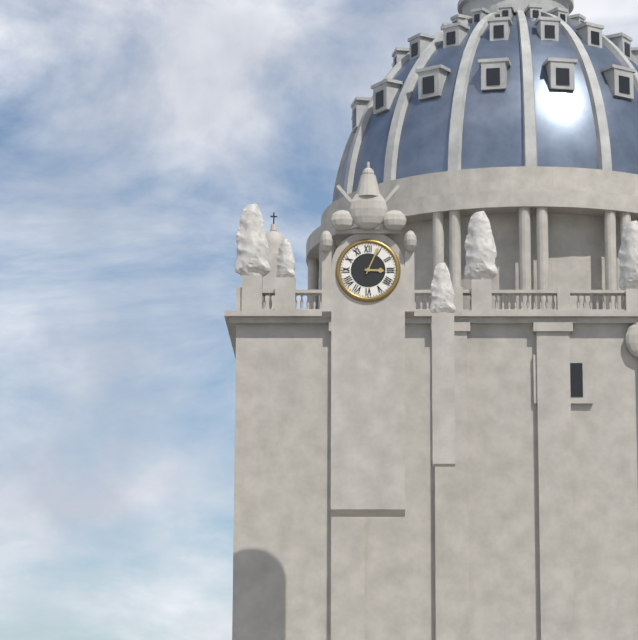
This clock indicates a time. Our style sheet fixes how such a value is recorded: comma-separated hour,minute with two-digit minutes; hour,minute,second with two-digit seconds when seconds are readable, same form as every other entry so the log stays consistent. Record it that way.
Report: 3,04
